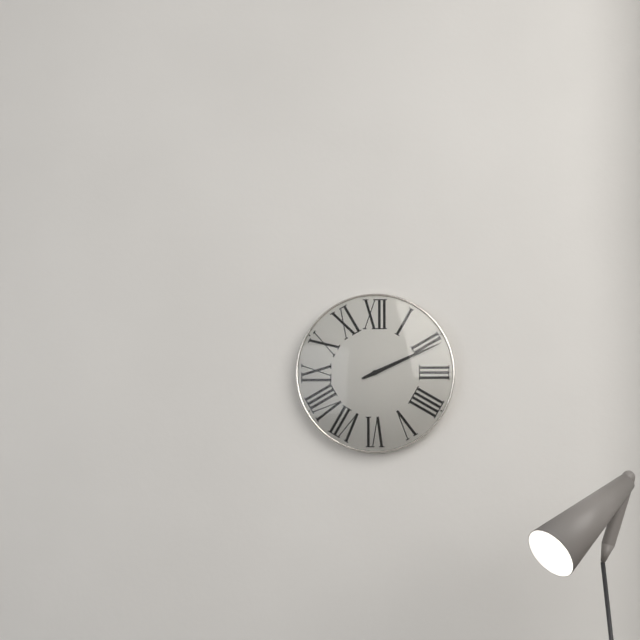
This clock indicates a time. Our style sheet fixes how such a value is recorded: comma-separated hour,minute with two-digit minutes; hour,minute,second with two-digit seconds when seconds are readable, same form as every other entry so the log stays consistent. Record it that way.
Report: 2,11
